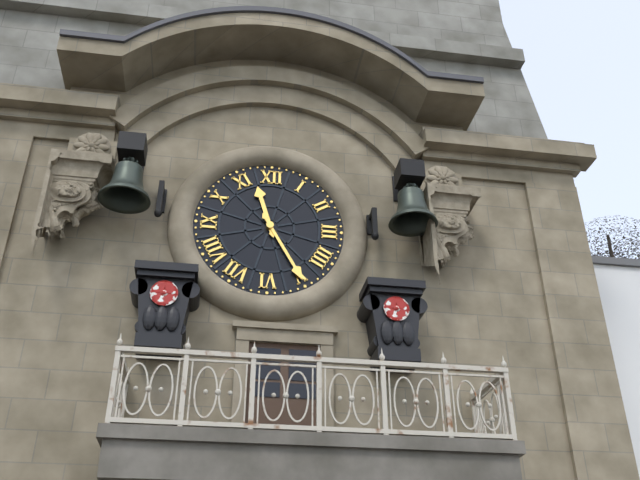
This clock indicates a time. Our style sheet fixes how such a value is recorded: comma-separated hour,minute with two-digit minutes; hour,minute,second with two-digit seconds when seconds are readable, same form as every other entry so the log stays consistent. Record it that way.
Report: 11,25
